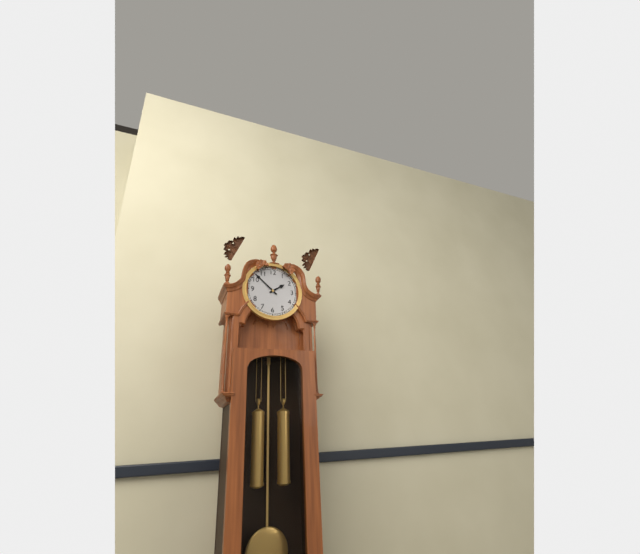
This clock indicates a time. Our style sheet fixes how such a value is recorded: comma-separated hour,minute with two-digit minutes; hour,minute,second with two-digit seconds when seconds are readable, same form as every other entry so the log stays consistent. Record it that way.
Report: 1,52
